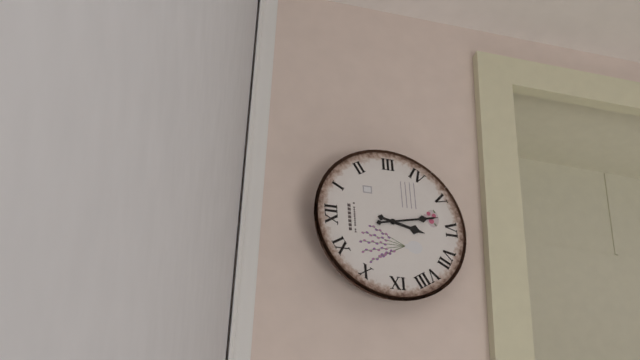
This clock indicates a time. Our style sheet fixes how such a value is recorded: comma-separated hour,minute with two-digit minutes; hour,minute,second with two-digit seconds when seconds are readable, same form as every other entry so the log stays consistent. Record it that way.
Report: 6,28
